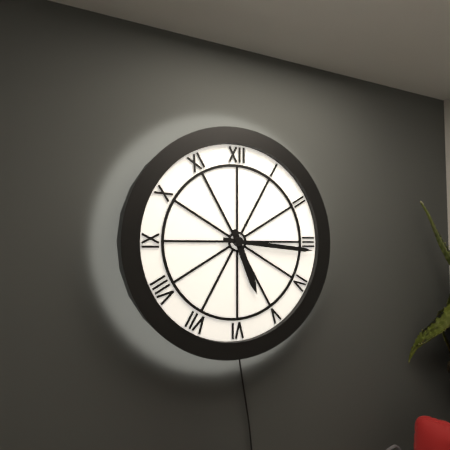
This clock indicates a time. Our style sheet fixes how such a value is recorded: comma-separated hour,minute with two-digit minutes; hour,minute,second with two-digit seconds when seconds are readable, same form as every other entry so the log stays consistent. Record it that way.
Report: 5,16
